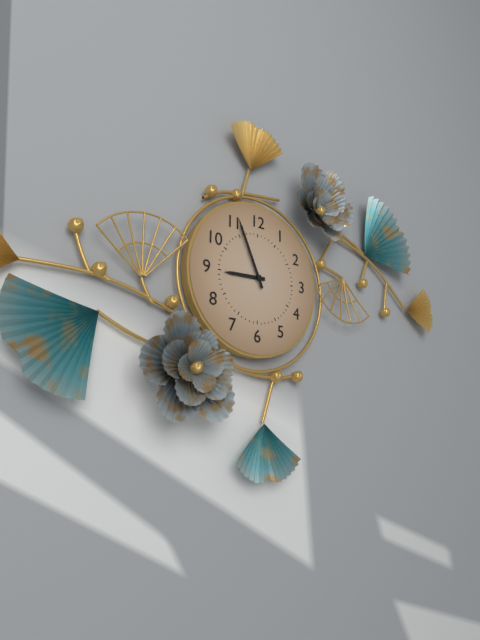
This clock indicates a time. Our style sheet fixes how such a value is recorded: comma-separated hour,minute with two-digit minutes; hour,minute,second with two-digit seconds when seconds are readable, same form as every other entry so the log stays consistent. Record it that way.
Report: 8,56
